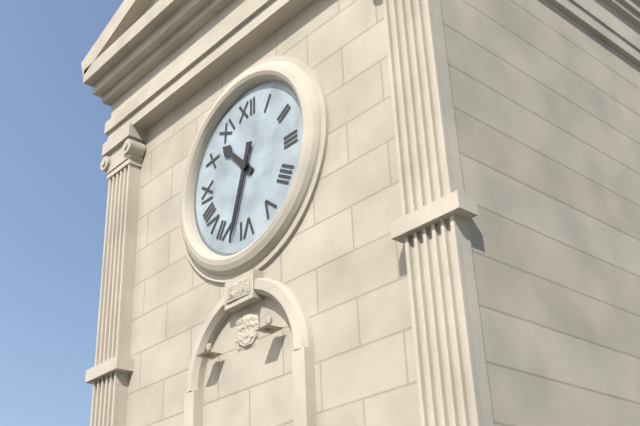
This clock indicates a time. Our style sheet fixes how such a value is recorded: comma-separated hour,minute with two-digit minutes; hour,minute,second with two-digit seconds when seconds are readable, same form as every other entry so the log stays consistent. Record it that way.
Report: 10,33
